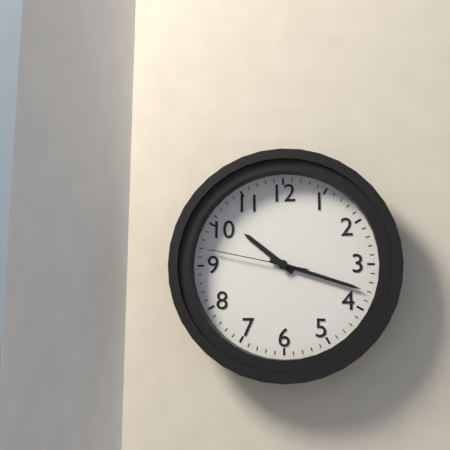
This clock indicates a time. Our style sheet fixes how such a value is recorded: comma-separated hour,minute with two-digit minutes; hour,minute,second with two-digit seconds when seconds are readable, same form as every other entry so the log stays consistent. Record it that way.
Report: 10,18,47
